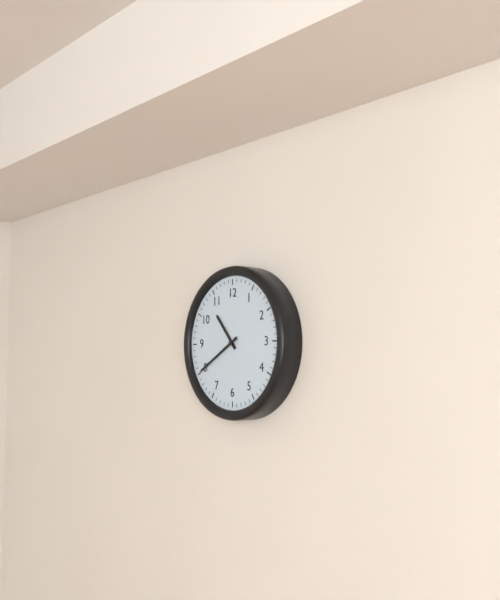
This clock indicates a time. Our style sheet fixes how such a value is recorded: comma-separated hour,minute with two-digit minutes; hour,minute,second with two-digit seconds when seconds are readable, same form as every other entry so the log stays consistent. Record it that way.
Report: 10,40
